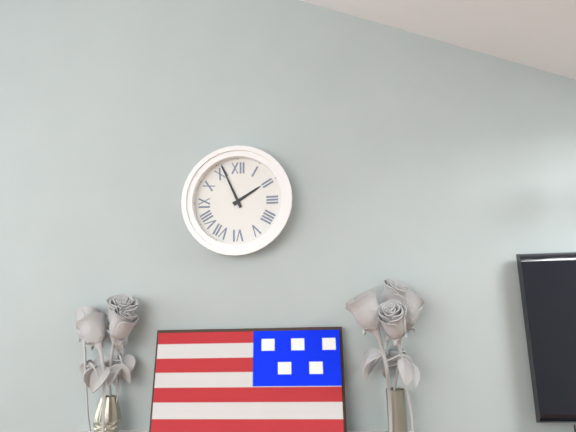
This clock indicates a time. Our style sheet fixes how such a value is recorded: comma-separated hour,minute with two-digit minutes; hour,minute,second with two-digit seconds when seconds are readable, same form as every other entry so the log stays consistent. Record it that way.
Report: 1,56
